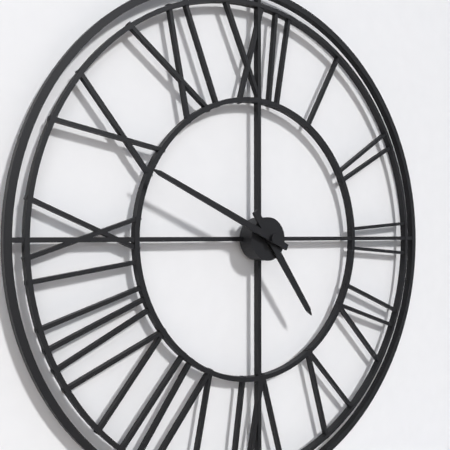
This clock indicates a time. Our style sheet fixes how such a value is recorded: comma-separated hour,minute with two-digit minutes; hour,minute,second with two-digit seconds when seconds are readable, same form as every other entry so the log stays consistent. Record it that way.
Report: 4,49
